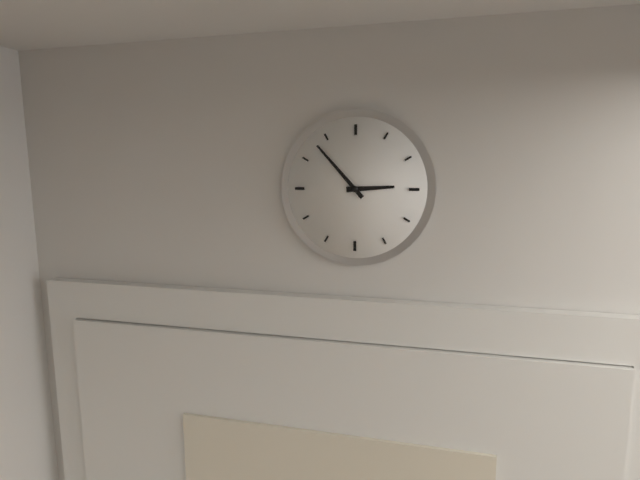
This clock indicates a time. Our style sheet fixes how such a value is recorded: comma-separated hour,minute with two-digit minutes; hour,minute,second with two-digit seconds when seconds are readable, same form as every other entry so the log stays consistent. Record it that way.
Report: 2,53
